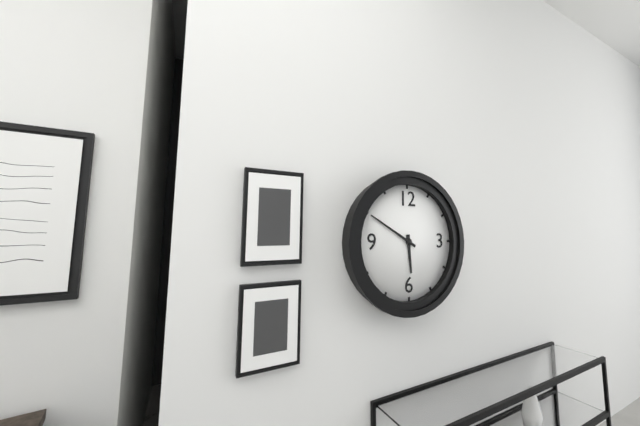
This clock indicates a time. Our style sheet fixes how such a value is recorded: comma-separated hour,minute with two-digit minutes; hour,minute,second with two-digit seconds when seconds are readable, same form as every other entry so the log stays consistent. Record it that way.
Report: 5,50
